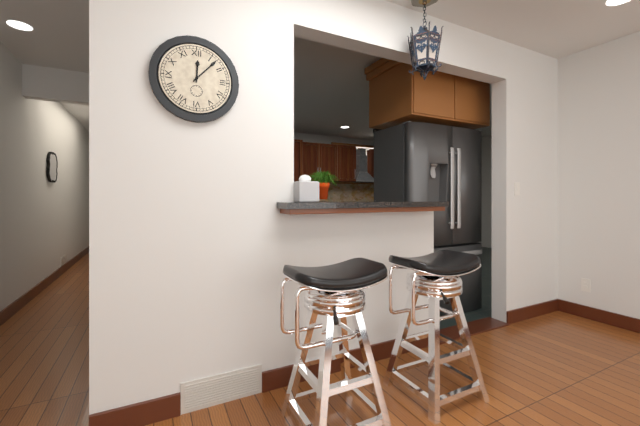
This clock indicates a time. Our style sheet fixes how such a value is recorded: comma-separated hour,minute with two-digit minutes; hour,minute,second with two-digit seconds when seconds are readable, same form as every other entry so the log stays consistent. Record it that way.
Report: 12,07
